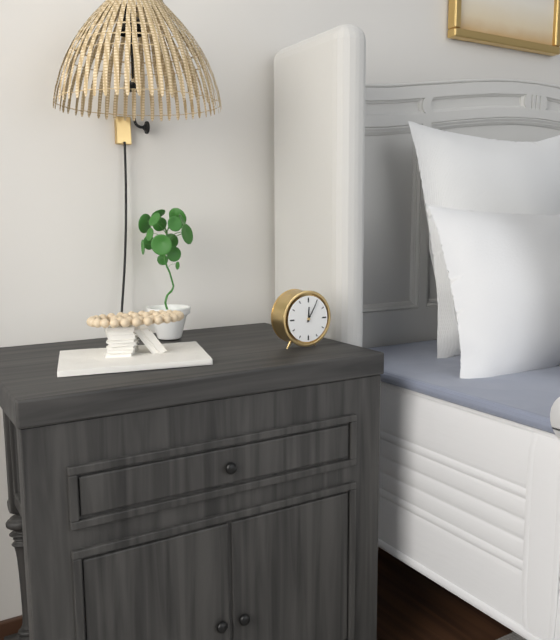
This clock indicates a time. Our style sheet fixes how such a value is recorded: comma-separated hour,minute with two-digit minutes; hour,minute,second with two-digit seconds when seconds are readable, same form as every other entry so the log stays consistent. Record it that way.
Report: 12,05
